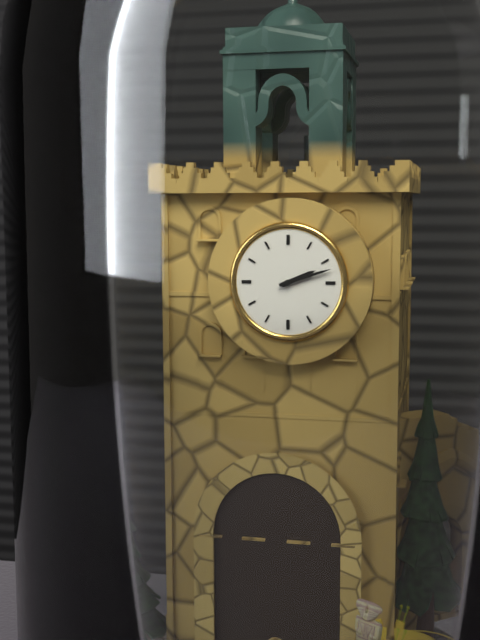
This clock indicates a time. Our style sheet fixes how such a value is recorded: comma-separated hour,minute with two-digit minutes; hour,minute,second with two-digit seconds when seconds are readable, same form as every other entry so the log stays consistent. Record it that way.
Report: 2,12
